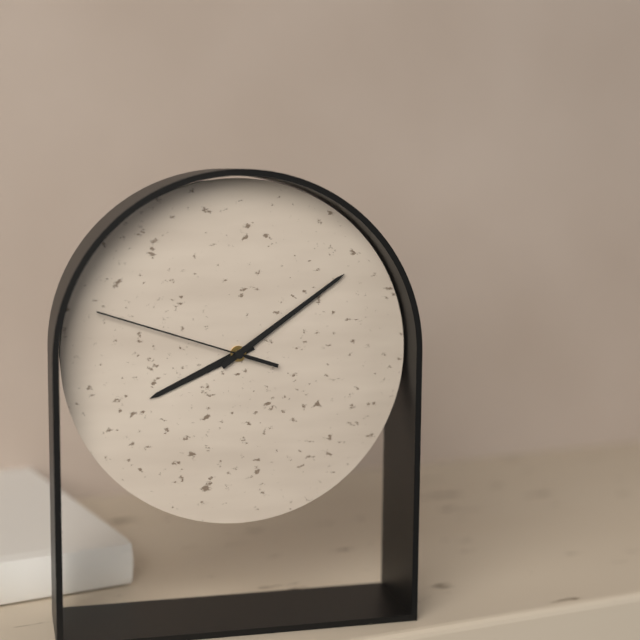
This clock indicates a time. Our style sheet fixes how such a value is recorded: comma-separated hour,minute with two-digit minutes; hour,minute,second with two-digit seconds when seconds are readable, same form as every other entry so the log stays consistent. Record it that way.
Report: 8,09,48
